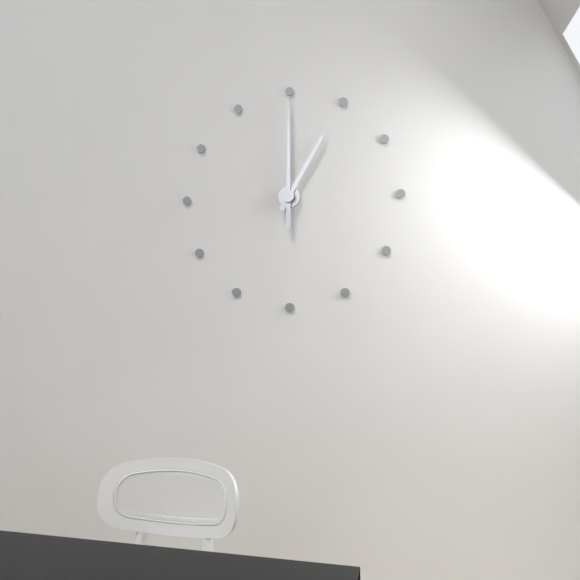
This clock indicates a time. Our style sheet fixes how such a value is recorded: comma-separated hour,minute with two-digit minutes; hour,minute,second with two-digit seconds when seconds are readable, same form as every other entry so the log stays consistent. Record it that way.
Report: 1,00
